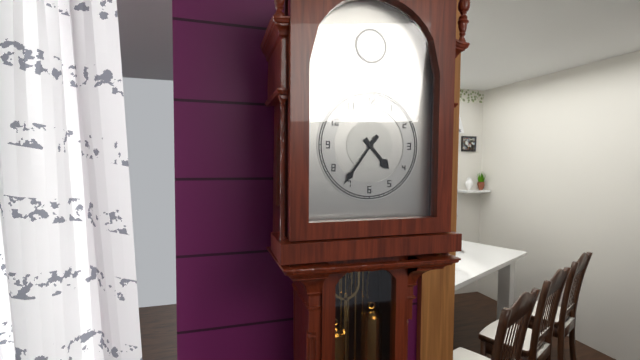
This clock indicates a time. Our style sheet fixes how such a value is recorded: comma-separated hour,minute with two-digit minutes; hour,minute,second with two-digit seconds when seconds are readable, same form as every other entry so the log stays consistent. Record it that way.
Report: 4,36
